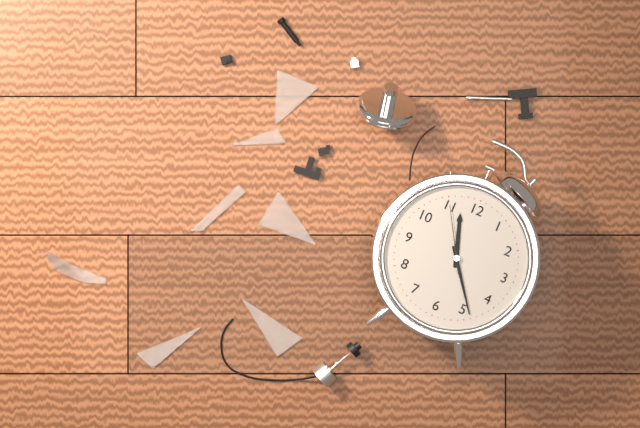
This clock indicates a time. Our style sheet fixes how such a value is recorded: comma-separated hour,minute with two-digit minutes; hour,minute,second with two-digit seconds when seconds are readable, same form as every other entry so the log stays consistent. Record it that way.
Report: 11,24,55
